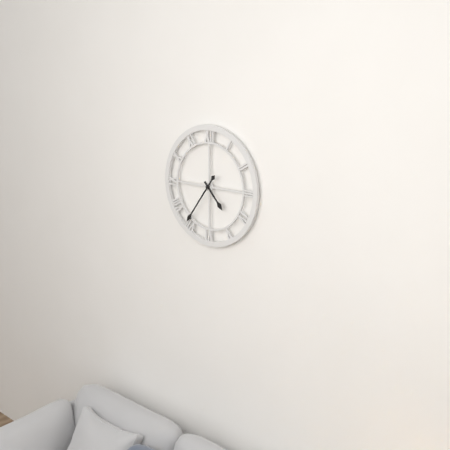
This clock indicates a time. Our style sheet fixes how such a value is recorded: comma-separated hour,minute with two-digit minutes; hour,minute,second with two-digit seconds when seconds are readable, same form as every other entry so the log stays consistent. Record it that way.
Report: 4,36
